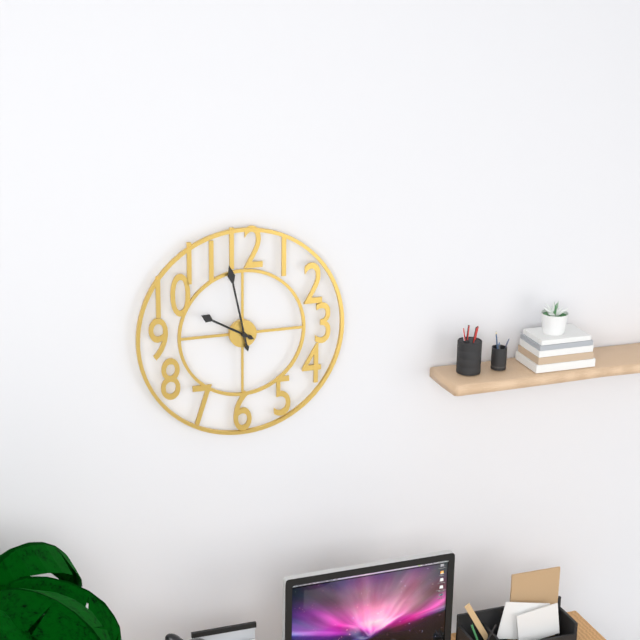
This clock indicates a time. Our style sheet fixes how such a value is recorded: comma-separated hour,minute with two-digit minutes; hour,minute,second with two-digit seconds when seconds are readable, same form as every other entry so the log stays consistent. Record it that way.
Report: 9,58
